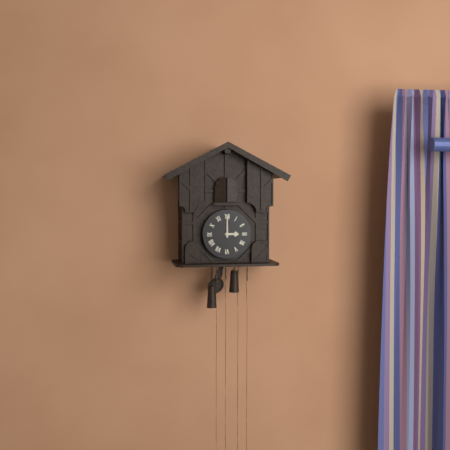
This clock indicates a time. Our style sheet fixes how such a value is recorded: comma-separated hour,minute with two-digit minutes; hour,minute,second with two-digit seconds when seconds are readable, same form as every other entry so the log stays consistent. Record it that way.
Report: 3,00
